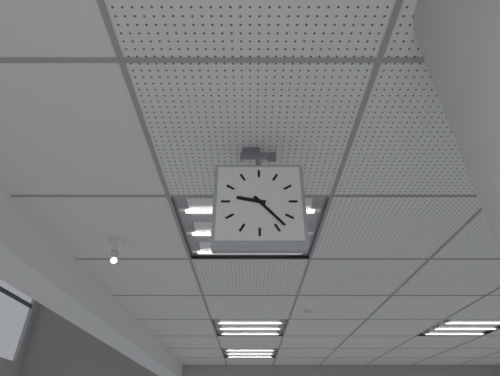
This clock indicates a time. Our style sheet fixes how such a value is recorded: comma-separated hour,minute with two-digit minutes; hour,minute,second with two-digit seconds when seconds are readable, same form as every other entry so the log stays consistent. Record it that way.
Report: 9,23
